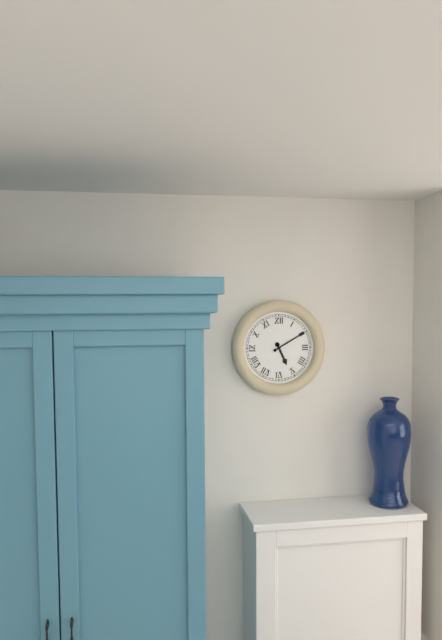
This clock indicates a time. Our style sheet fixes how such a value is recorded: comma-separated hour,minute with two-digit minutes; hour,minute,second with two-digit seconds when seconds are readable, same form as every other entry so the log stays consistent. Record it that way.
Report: 5,10
